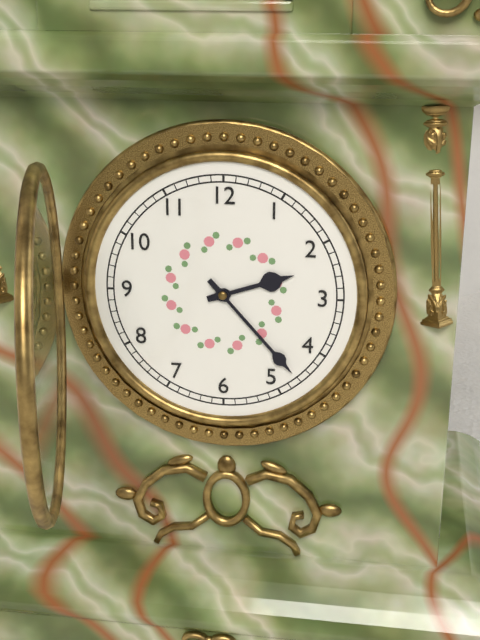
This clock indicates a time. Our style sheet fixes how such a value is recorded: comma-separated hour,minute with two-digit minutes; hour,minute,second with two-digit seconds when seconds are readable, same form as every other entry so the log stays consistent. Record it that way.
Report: 2,23
